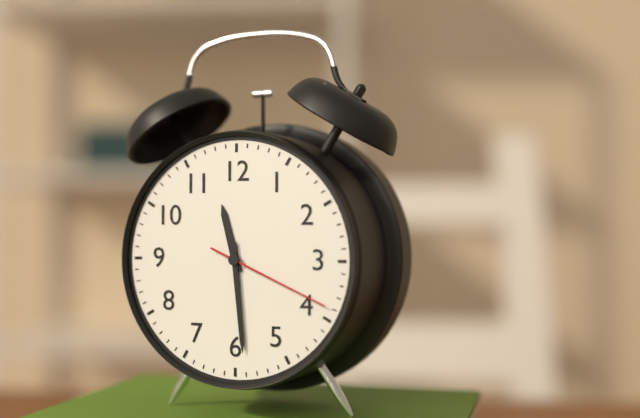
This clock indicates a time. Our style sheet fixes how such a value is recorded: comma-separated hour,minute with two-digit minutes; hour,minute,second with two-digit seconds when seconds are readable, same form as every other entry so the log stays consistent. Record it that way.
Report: 11,29,19
